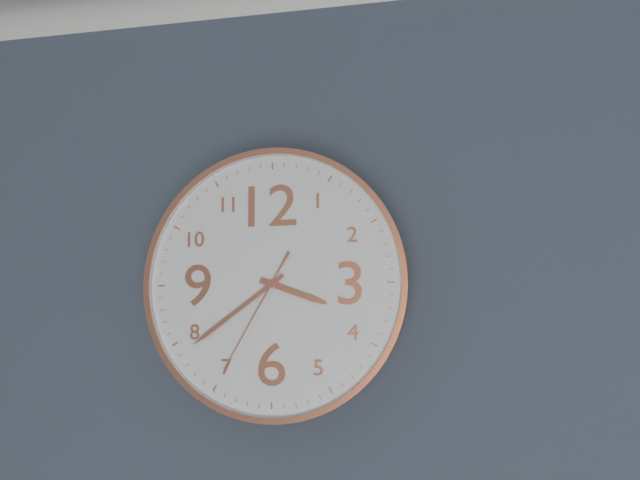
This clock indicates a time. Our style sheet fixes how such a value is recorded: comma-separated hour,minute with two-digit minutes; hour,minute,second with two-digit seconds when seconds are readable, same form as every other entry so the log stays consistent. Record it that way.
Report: 3,39,35
